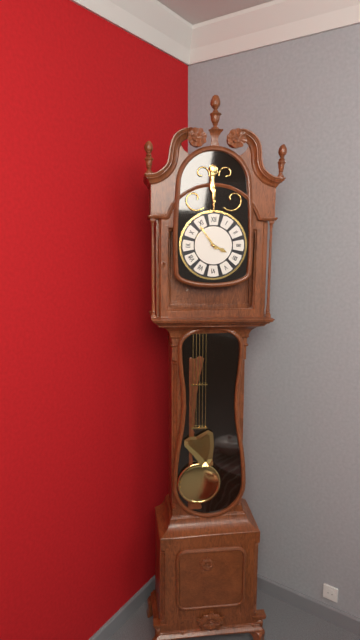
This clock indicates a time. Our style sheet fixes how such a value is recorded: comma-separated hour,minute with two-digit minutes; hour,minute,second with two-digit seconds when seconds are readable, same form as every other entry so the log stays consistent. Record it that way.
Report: 3,54
